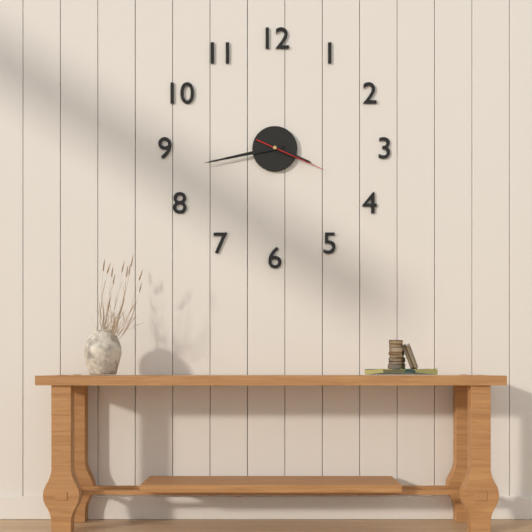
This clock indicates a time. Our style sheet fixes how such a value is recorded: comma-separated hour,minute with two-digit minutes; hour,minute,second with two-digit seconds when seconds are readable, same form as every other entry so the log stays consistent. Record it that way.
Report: 3,43,19
